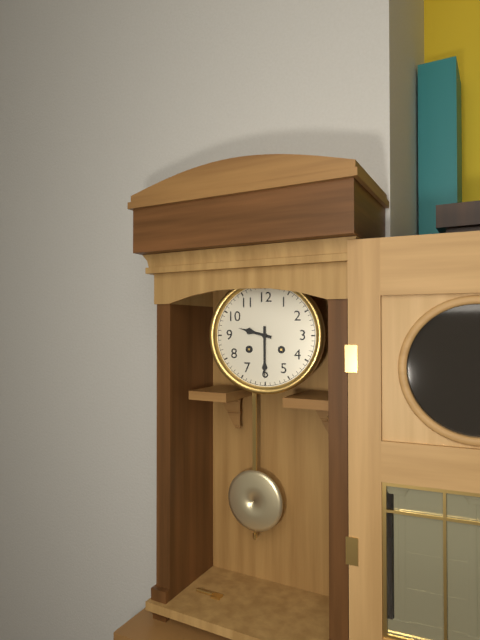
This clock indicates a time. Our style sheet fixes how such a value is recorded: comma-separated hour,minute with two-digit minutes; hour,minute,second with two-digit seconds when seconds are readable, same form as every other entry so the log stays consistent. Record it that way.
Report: 9,30
